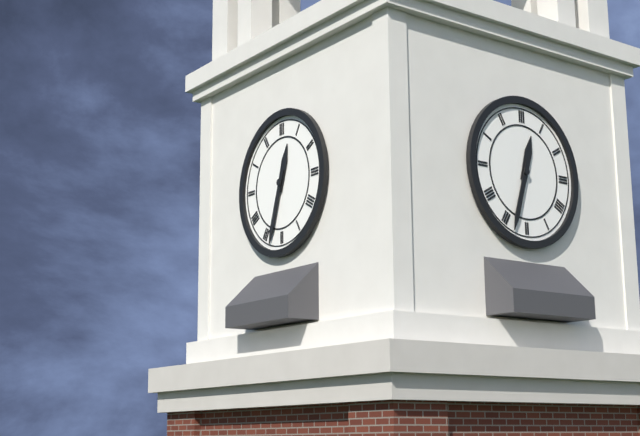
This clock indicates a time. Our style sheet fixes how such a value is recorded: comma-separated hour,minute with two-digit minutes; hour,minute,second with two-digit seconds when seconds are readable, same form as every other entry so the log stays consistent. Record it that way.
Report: 12,33
